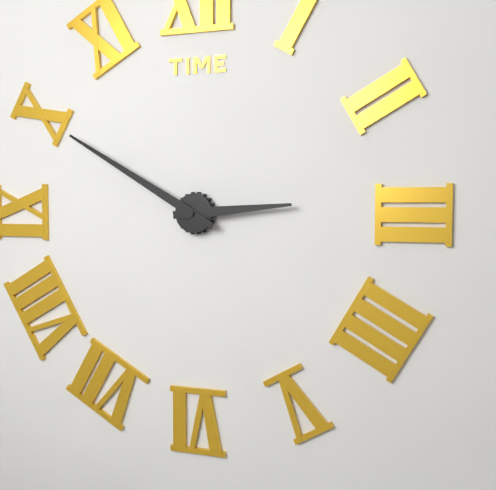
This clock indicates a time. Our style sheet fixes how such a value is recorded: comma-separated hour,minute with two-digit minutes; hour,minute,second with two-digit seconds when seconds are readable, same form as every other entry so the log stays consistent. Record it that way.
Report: 2,50
